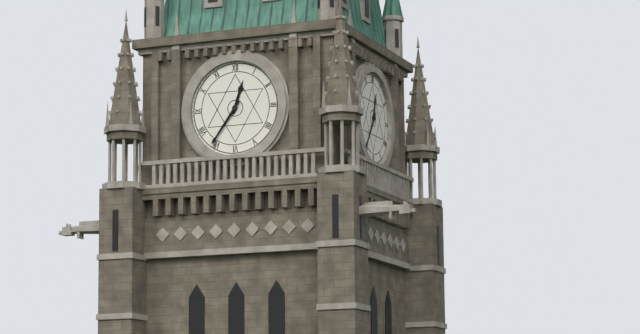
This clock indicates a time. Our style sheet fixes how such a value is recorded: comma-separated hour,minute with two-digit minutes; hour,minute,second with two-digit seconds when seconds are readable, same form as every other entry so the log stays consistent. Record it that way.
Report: 12,36
